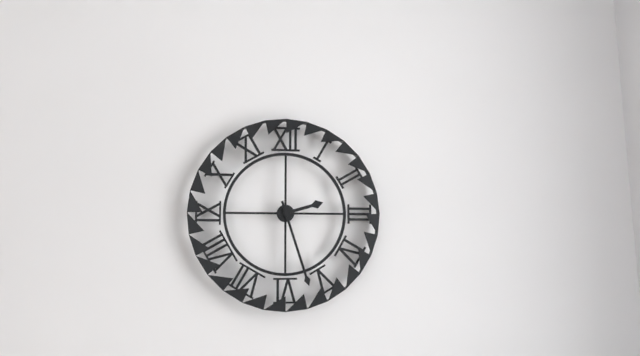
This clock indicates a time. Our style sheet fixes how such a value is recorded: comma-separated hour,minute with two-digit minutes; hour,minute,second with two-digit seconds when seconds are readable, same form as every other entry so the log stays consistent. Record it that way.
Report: 2,27
